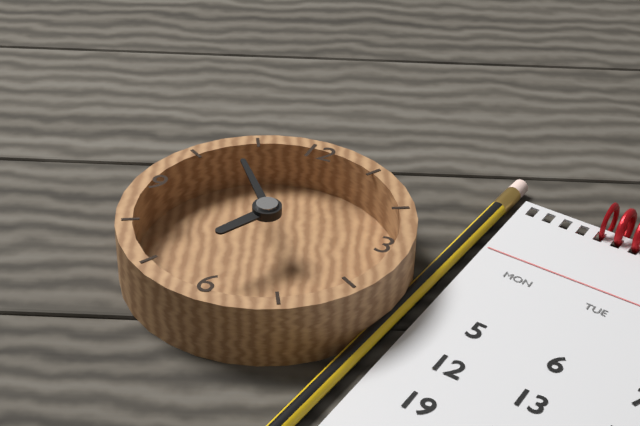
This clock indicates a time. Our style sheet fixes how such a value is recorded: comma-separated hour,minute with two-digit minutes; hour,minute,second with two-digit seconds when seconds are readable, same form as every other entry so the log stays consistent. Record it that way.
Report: 6,53
